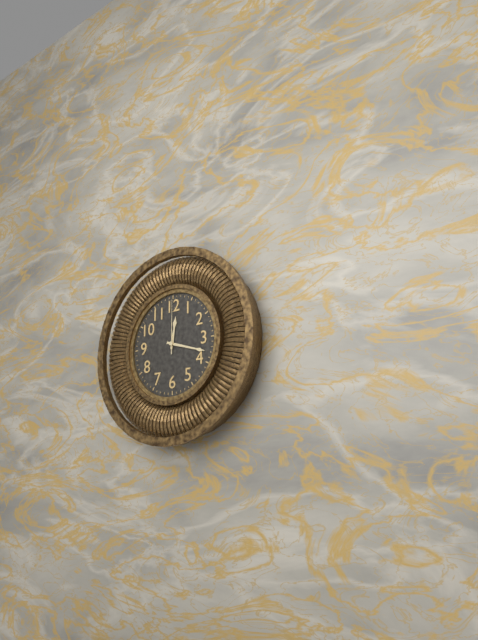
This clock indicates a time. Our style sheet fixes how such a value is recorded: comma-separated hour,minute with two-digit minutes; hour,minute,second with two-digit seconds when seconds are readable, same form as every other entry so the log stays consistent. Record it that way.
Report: 12,18,00
